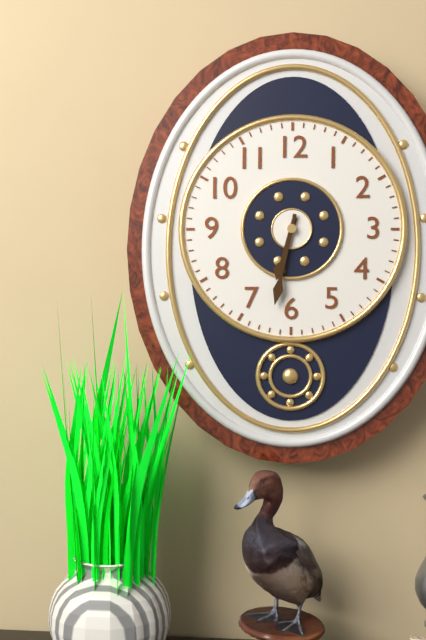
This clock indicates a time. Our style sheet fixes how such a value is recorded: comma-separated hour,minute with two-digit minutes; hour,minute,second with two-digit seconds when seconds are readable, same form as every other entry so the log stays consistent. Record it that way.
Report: 6,32
